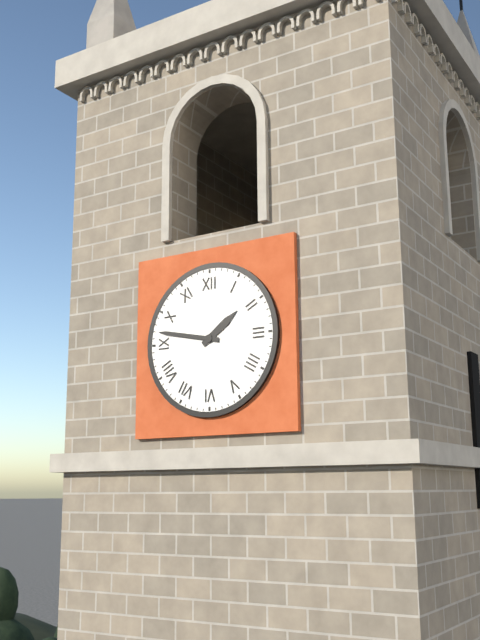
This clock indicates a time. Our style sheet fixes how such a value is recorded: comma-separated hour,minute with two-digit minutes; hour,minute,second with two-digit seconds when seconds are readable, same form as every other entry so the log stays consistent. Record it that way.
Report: 1,47
